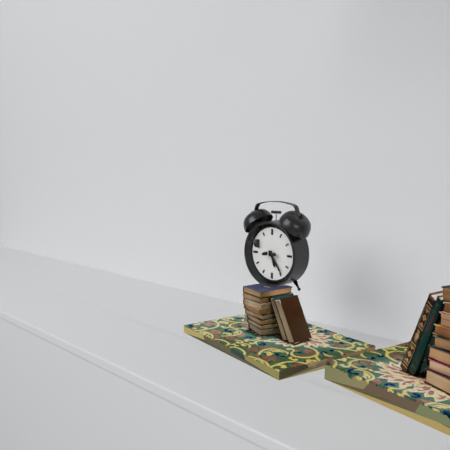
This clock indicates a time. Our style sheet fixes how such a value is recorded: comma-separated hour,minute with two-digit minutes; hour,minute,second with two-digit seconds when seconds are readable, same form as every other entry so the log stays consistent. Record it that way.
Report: 5,24
